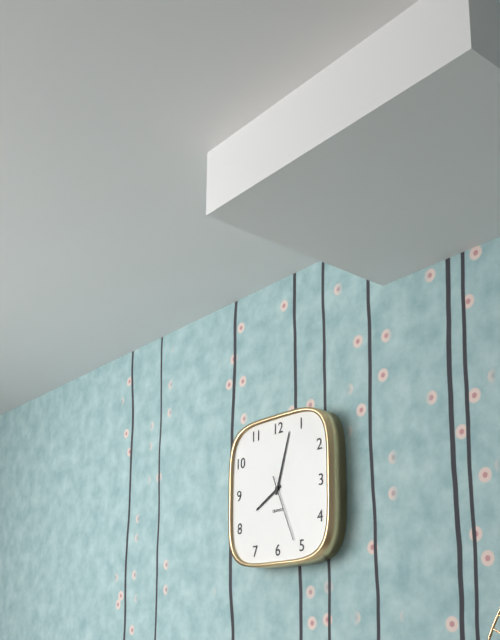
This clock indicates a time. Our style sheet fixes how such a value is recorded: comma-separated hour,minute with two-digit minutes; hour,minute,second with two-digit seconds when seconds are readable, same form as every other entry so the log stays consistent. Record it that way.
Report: 8,03,26
